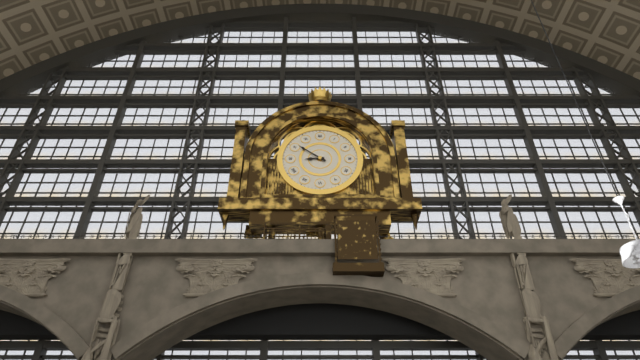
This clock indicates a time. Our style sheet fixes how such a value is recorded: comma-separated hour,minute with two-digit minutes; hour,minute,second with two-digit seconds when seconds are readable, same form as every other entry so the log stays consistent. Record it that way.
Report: 8,51
